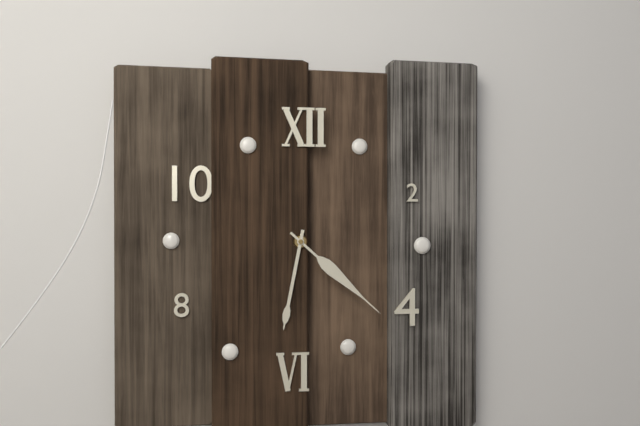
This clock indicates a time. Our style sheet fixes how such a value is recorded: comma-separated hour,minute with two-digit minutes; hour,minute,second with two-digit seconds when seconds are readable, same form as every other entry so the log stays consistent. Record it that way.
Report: 6,22
